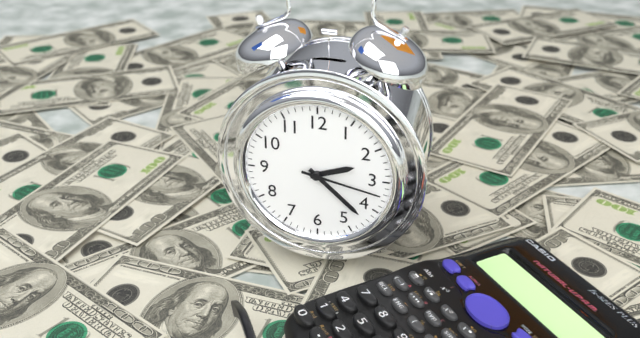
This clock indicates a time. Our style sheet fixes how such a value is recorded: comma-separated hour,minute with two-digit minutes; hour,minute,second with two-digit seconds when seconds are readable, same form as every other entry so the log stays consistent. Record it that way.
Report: 2,22,17
